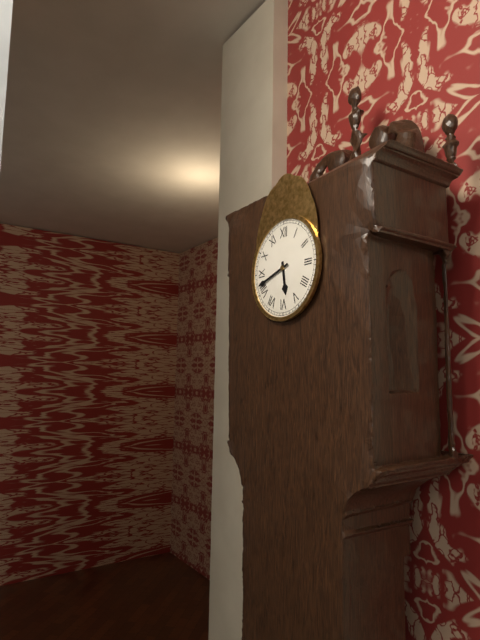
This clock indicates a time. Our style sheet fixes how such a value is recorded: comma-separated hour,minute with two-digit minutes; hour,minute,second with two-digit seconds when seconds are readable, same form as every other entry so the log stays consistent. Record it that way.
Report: 5,42
